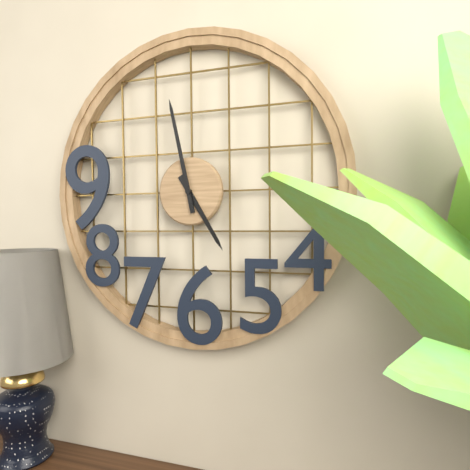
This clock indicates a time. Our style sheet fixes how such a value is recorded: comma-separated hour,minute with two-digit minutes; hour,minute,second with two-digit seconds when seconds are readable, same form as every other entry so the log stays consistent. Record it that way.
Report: 4,58
